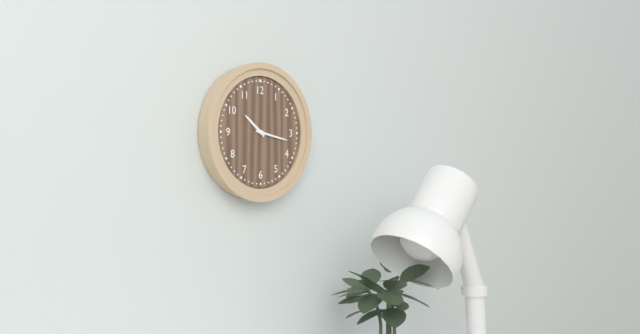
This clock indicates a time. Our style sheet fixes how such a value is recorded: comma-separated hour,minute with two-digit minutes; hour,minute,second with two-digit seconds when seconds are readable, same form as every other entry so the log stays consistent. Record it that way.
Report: 10,17
